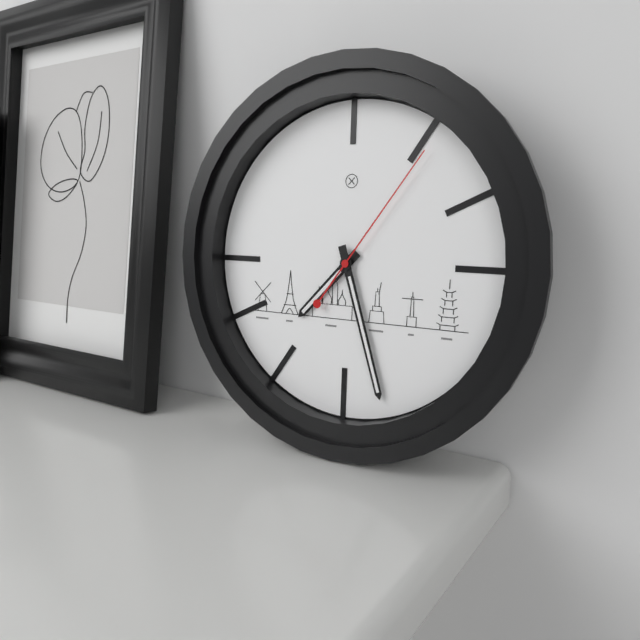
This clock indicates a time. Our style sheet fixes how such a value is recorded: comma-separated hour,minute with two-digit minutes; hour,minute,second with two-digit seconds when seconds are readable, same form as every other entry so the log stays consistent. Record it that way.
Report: 7,27,06
